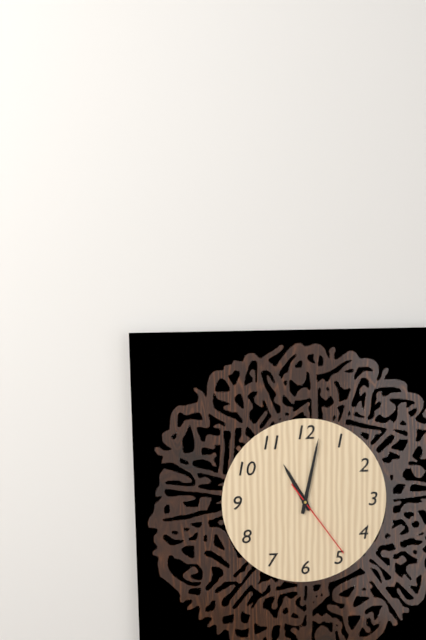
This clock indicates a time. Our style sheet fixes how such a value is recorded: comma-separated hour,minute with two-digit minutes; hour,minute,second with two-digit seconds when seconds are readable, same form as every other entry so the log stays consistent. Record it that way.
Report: 11,02,24
